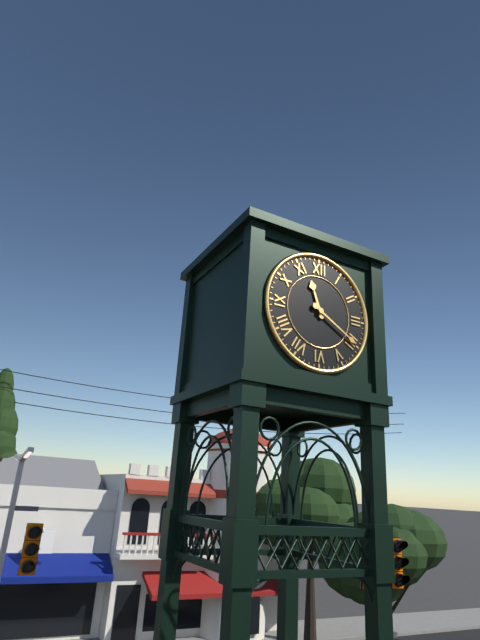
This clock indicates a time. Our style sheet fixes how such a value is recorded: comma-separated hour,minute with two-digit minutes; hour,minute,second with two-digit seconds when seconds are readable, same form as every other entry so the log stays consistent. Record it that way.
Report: 11,20
